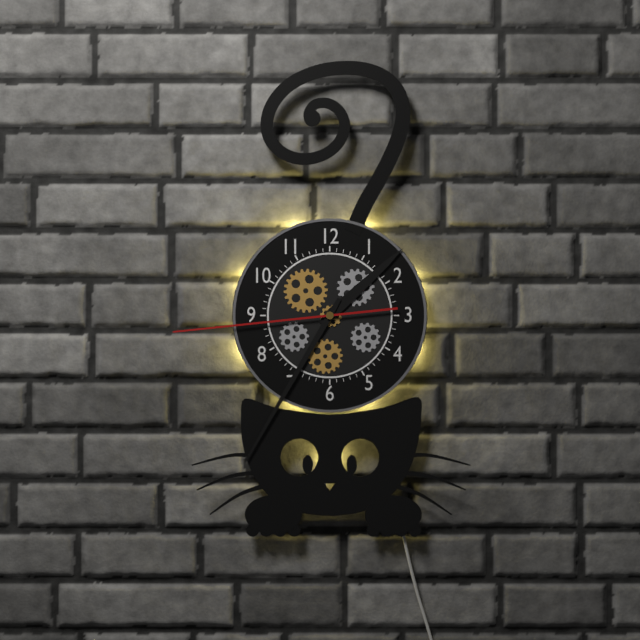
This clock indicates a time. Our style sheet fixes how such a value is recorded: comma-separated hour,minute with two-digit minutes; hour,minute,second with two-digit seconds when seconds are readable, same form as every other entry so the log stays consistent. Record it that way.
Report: 1,35,44
